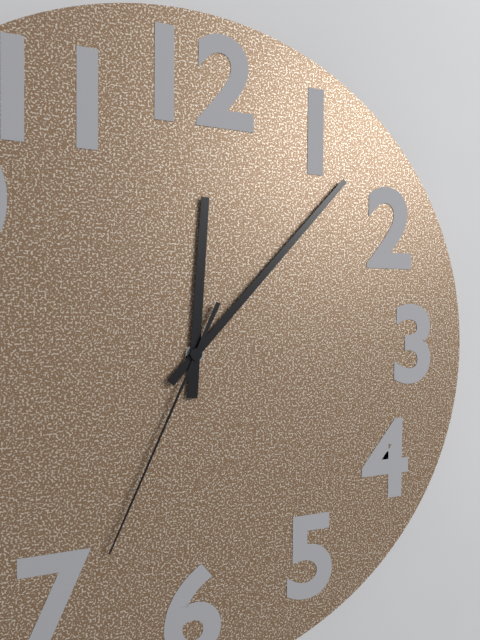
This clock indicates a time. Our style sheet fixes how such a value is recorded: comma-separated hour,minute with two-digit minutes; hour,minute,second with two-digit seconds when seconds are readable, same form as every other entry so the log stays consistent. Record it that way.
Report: 12,07,34
